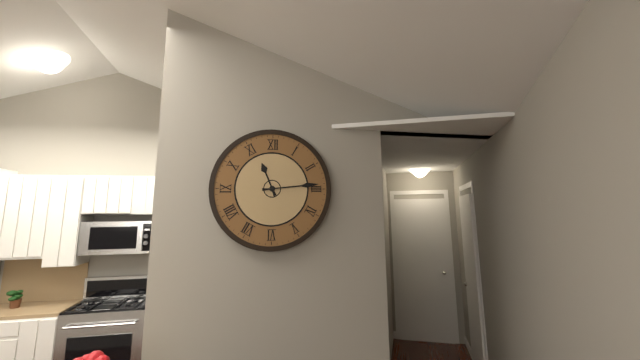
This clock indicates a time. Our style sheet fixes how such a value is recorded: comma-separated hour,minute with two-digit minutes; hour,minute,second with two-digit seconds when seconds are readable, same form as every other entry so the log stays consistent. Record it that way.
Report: 11,14
